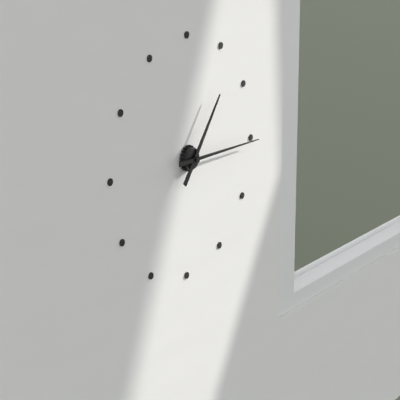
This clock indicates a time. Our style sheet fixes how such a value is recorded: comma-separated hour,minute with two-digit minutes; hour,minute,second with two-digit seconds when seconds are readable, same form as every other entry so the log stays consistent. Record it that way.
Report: 1,15
